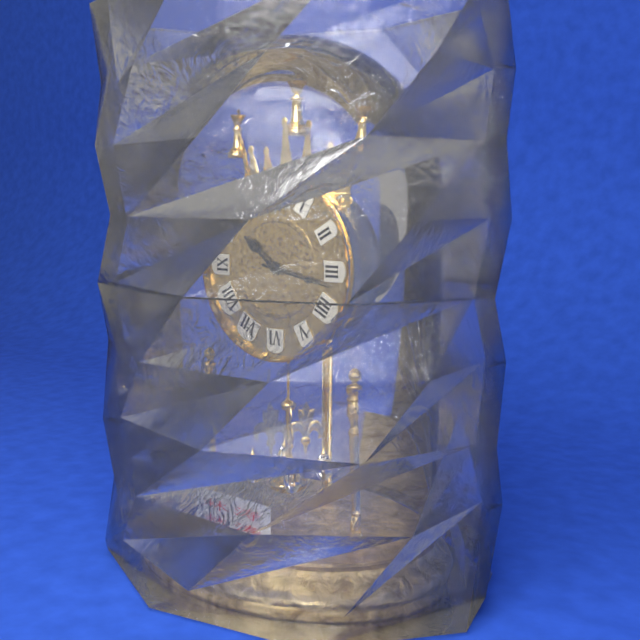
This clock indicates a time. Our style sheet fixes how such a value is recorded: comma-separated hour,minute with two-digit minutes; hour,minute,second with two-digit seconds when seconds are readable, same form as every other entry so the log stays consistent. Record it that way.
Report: 10,17
